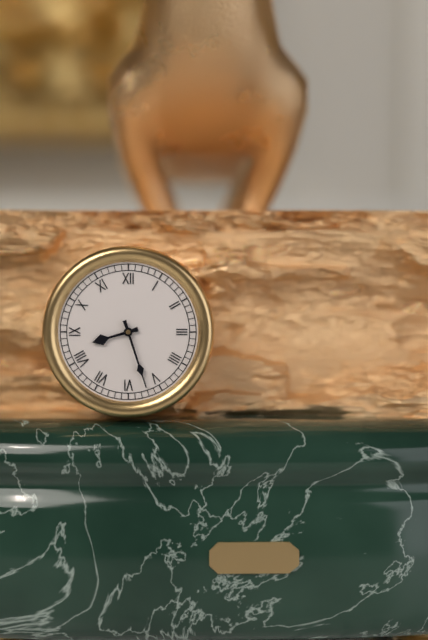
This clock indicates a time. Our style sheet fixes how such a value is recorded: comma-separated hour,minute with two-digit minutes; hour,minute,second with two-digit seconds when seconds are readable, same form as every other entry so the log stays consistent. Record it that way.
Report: 8,27
